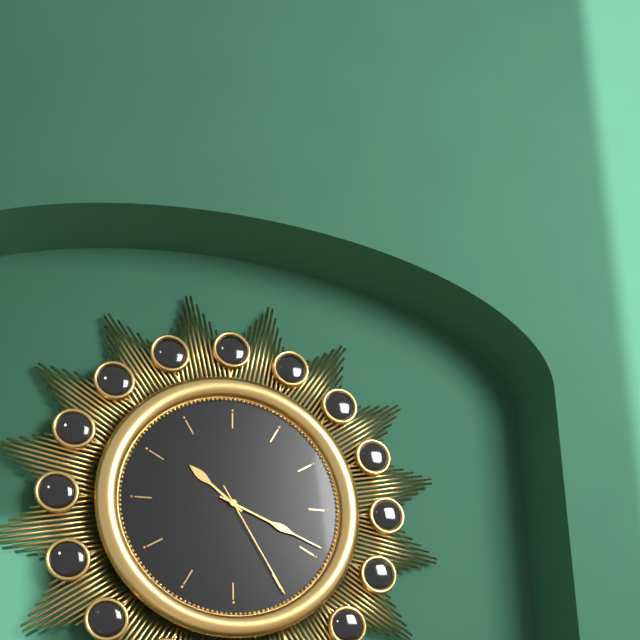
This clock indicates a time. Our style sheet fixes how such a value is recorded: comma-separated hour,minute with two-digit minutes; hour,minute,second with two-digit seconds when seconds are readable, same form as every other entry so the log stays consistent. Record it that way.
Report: 10,19,25
